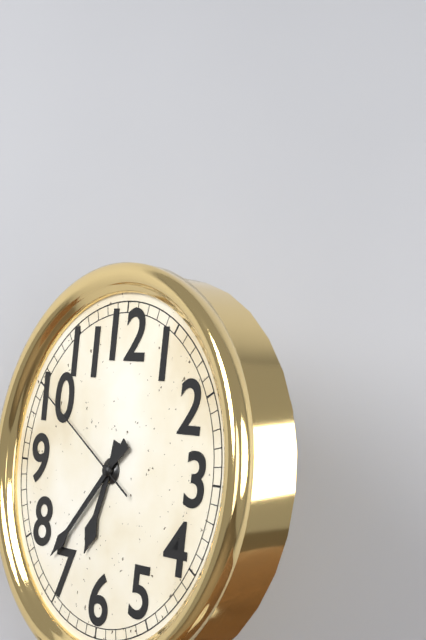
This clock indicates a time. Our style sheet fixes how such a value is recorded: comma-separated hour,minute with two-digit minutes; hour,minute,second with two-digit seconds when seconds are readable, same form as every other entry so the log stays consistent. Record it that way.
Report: 6,37,50
